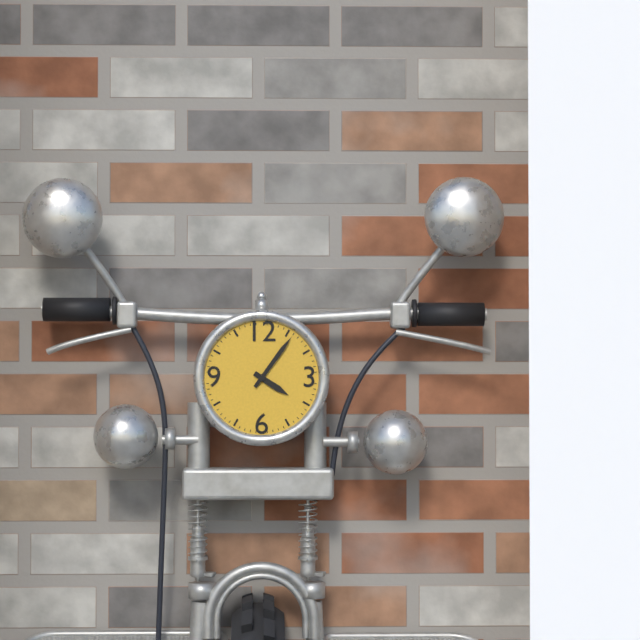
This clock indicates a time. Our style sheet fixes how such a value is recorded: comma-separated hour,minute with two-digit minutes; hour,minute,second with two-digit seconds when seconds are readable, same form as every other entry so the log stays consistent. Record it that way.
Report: 4,06
